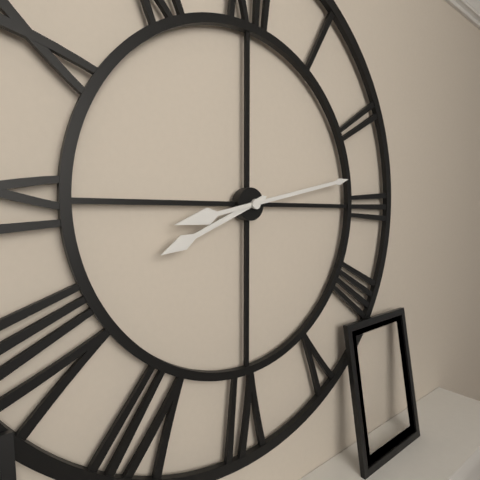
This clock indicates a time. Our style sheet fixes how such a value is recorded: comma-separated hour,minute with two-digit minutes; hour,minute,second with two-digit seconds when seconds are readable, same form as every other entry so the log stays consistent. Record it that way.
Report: 8,13
